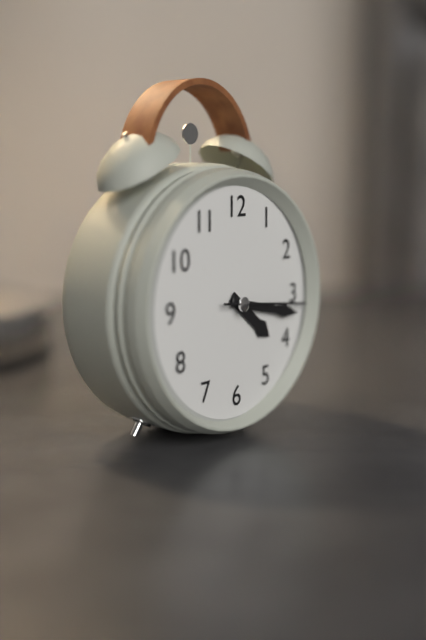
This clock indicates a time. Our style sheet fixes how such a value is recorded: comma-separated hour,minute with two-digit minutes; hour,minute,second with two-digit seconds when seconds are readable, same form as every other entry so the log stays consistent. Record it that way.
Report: 4,17,16
